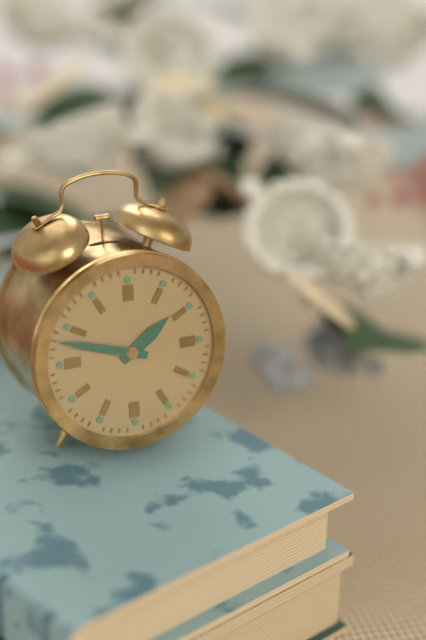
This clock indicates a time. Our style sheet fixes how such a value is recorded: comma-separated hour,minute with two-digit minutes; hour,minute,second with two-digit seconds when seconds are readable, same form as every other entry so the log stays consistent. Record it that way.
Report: 1,48
